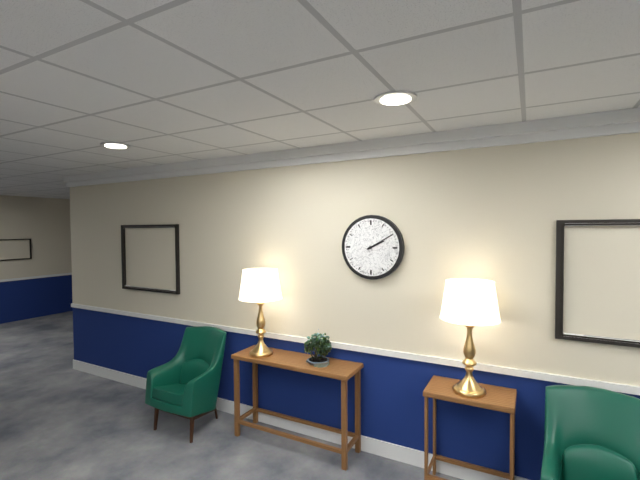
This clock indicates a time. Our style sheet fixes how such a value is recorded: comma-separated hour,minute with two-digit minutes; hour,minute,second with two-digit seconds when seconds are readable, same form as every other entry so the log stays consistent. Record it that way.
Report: 2,10
